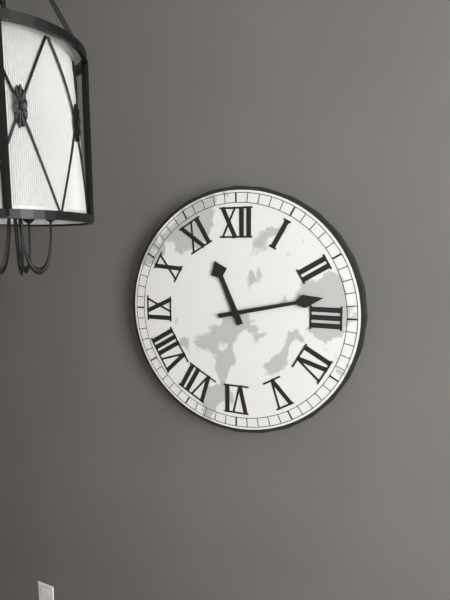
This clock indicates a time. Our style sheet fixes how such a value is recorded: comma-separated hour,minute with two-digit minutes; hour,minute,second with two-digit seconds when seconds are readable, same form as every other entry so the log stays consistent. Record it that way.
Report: 11,13
